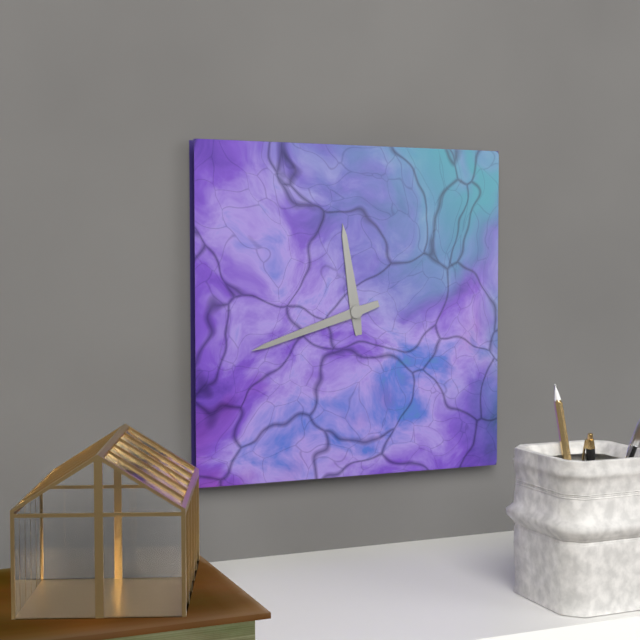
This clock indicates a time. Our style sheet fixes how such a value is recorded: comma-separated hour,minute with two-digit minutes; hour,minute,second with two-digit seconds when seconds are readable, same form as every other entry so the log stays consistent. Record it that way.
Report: 11,42
